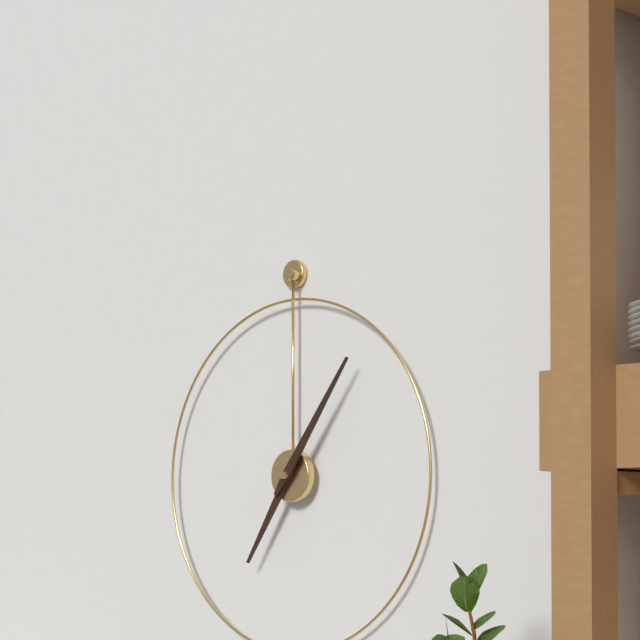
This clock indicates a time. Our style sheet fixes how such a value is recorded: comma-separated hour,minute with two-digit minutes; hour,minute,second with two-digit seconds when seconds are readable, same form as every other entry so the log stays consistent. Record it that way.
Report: 7,06
